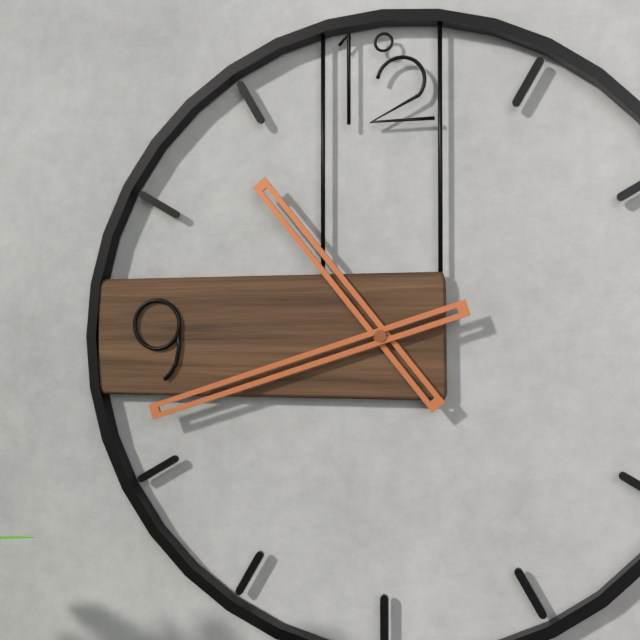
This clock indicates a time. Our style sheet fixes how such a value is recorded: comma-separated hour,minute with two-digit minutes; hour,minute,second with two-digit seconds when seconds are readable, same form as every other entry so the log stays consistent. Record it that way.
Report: 10,42
